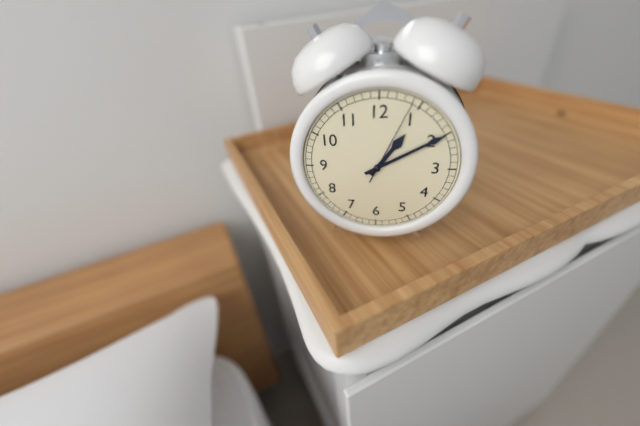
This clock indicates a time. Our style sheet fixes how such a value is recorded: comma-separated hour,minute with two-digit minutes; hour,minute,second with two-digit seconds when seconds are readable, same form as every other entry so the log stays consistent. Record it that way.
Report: 1,10,04
